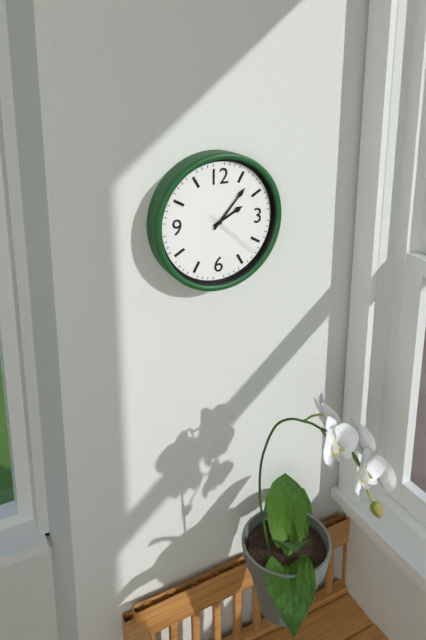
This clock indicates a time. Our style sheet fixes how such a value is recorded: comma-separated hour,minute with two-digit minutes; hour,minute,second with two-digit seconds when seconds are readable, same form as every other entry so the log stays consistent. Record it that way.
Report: 2,07,22
